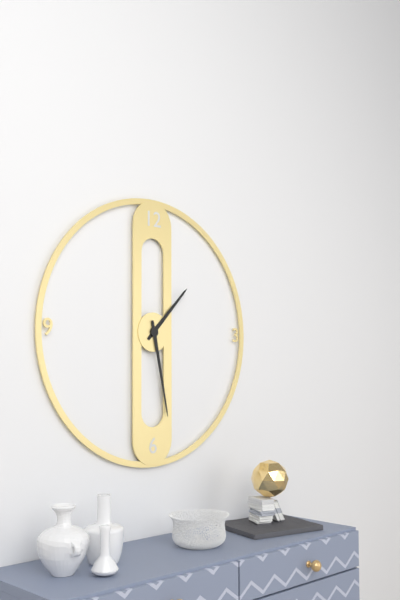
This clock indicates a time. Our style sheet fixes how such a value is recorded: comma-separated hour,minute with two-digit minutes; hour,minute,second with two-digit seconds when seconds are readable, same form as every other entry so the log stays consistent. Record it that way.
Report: 1,28
